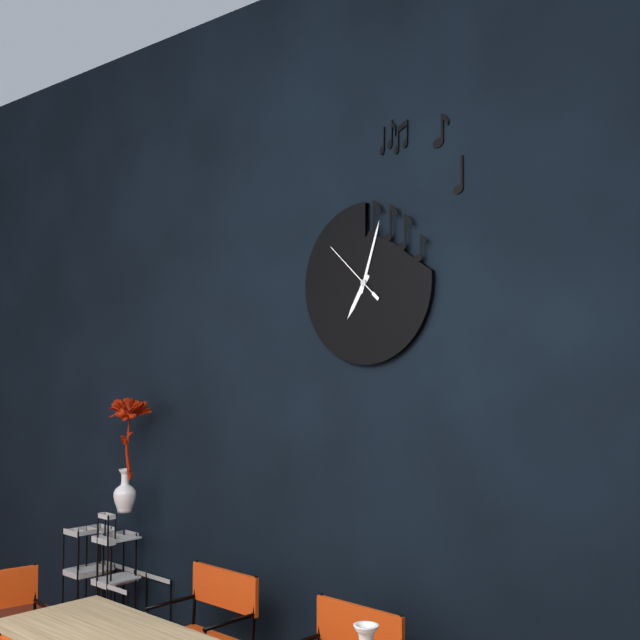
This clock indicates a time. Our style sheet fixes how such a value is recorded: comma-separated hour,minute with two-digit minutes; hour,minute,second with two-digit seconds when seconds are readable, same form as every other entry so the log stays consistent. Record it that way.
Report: 7,03,52
